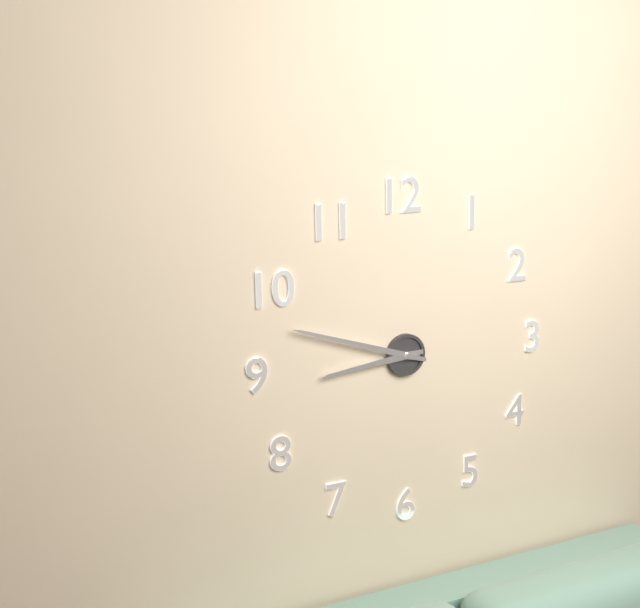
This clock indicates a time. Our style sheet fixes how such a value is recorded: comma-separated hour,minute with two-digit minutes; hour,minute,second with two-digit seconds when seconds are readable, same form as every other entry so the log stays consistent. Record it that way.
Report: 8,48
